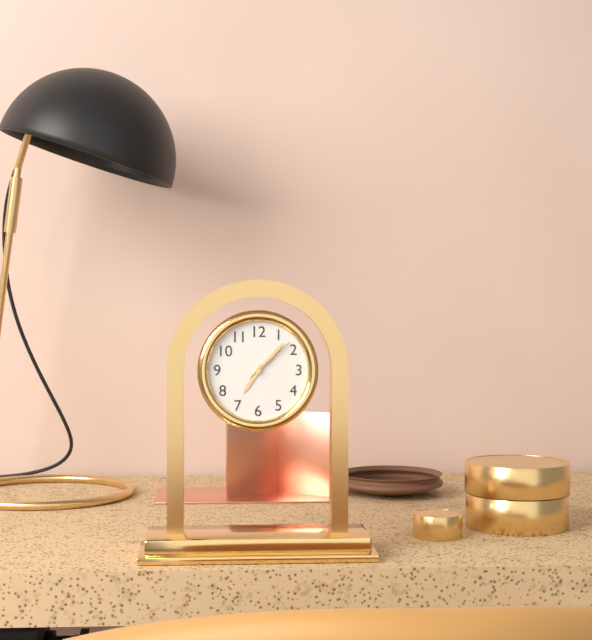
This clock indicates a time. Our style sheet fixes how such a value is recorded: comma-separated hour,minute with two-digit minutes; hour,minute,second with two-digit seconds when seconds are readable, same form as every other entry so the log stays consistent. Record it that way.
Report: 7,07,08
